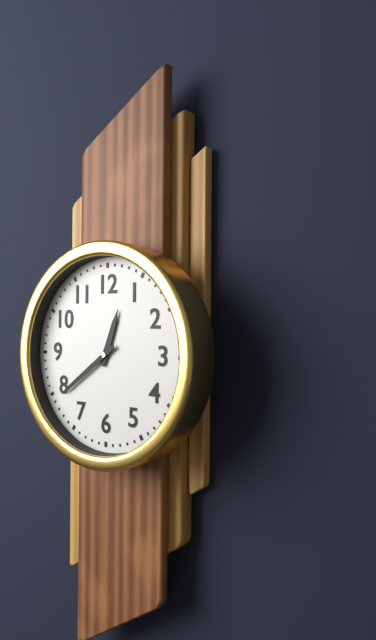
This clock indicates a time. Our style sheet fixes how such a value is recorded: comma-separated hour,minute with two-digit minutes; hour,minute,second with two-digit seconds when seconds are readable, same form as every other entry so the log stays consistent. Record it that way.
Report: 12,39
